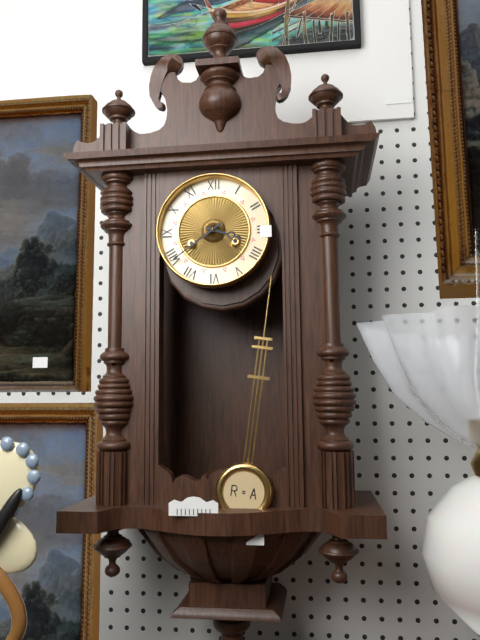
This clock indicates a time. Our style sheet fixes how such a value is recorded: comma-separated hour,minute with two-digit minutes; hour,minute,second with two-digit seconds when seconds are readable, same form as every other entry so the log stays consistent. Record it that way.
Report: 3,39
